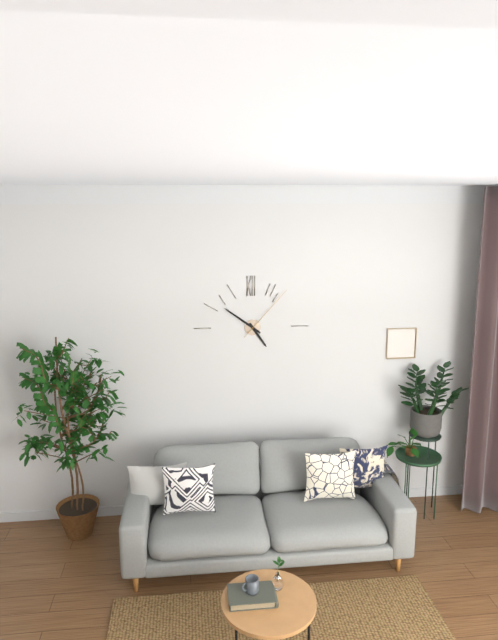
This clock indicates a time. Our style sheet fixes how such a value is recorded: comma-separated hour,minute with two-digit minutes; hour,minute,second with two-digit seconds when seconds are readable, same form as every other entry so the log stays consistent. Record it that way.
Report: 4,51,07
